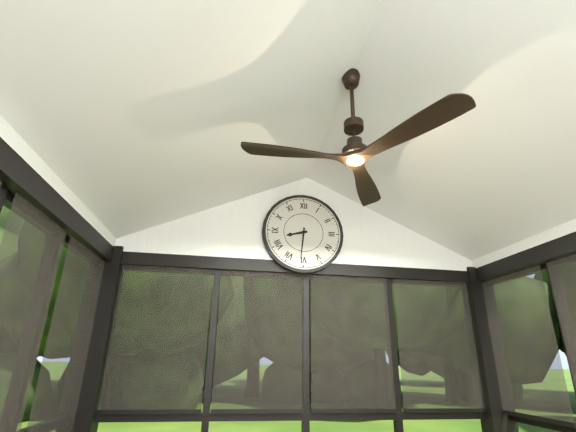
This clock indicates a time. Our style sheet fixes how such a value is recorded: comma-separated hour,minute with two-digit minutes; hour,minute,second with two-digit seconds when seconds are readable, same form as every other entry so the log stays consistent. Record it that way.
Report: 8,31
